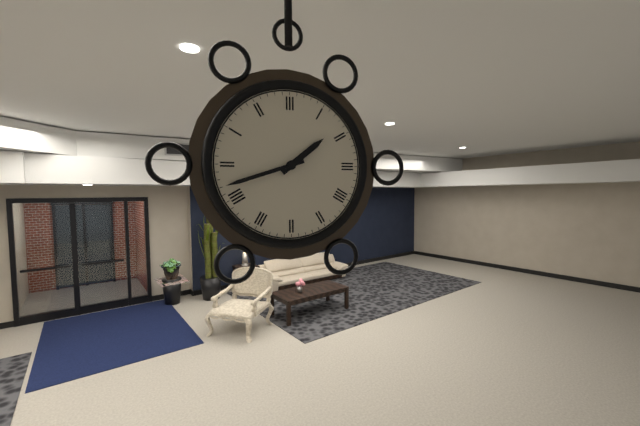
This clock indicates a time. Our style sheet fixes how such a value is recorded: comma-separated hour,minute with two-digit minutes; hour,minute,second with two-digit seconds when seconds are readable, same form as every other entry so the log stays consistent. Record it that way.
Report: 1,42
